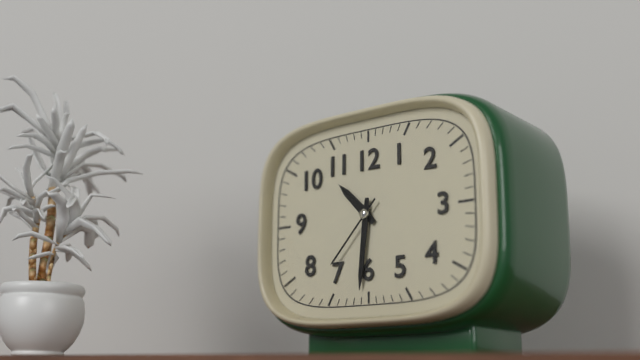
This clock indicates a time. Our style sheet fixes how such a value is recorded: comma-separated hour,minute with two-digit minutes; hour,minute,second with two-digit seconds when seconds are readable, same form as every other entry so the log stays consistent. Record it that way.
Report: 10,31,37
